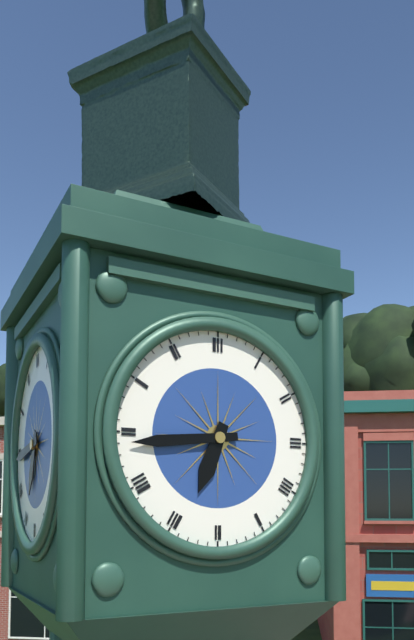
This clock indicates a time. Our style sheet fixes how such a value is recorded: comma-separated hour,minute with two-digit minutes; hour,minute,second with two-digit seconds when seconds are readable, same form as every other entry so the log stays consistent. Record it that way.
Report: 6,44
